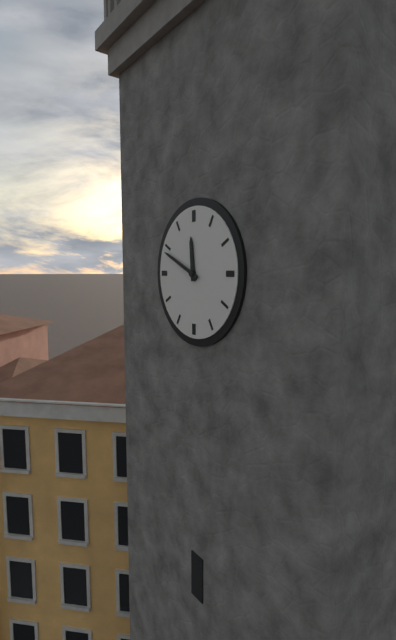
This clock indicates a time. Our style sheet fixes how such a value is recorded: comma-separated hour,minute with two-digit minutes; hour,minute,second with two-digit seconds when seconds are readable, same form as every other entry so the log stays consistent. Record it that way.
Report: 11,49
